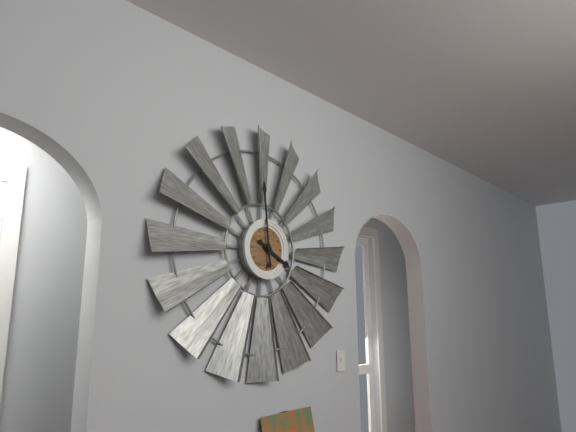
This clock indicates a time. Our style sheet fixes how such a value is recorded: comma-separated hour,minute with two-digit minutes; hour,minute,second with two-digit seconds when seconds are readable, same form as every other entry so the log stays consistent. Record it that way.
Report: 3,59
